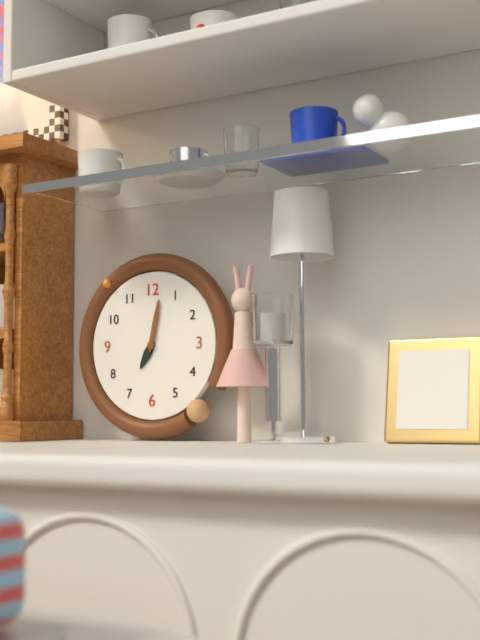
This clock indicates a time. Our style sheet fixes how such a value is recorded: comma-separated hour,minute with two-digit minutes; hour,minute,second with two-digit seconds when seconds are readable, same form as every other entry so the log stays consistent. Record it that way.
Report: 7,02
